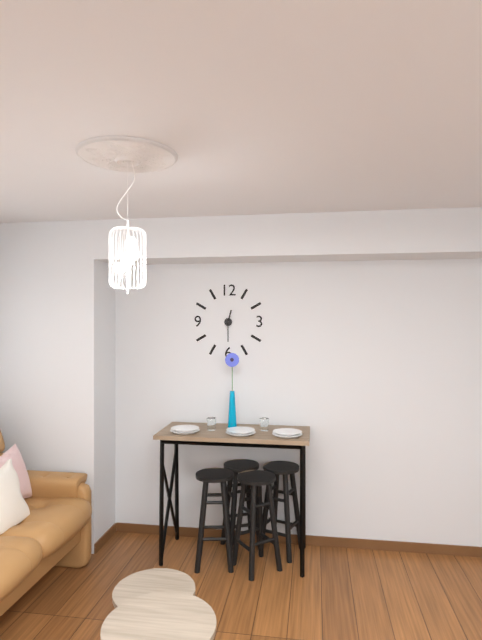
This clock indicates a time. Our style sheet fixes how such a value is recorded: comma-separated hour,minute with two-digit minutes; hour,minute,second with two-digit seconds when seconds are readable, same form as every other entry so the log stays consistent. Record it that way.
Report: 12,30
